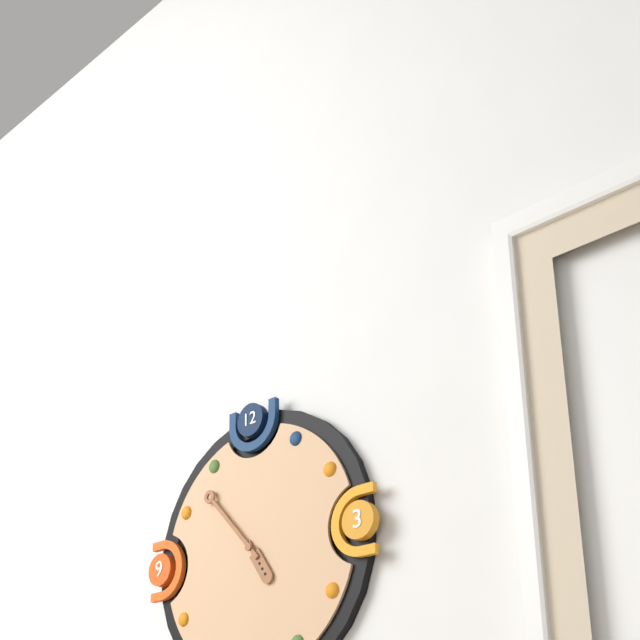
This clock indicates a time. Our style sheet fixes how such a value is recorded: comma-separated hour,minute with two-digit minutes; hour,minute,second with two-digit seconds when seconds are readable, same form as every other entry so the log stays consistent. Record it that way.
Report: 4,53
